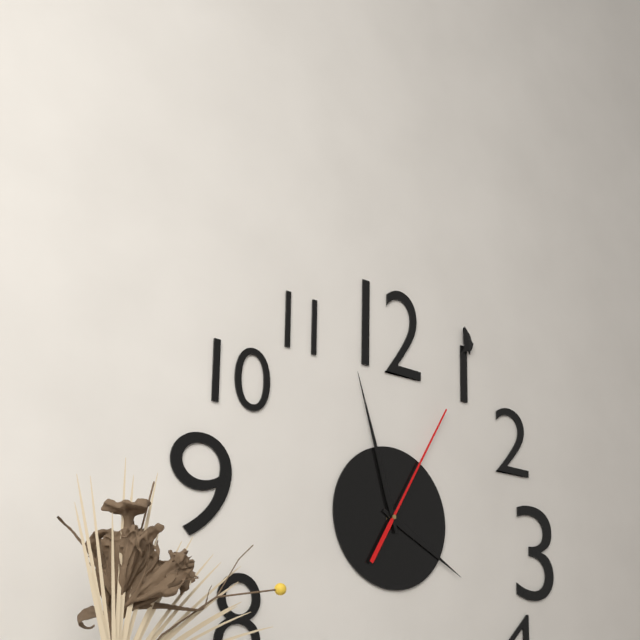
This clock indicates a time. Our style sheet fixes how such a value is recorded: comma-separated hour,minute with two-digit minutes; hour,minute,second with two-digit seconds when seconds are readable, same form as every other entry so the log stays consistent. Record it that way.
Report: 3,57,05
